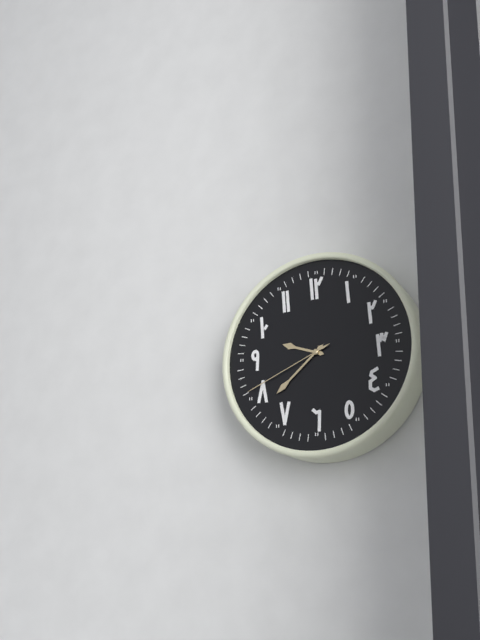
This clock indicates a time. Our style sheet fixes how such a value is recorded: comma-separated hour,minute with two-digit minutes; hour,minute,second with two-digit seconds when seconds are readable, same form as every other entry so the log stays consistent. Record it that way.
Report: 9,38,41
